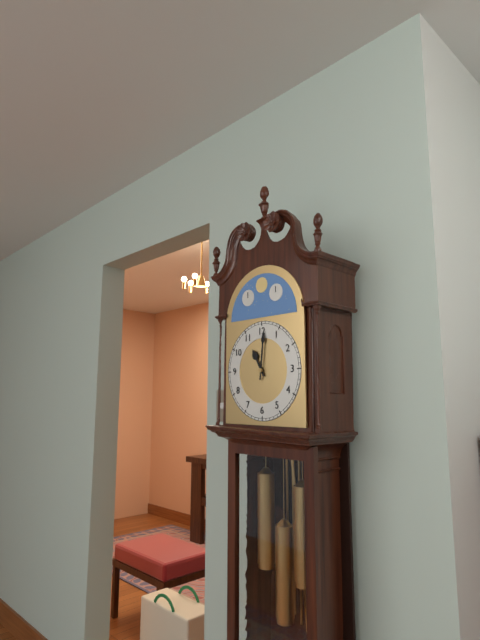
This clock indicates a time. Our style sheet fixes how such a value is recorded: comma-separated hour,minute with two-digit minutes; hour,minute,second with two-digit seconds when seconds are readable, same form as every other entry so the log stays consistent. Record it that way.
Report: 11,01
